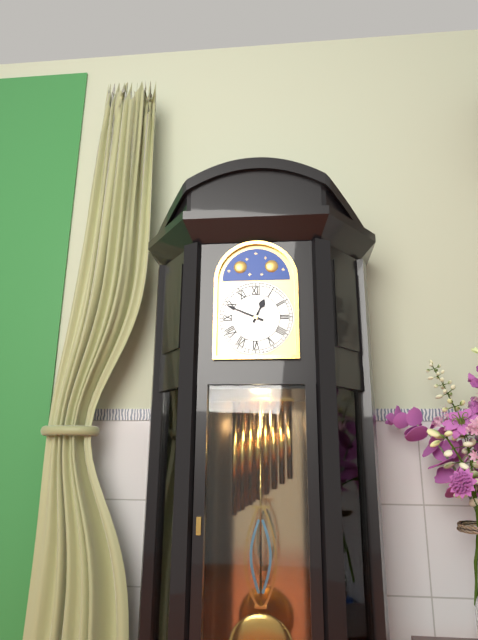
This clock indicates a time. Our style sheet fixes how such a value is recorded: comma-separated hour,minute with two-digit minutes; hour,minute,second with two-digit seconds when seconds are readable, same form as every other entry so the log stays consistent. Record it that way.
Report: 12,49
